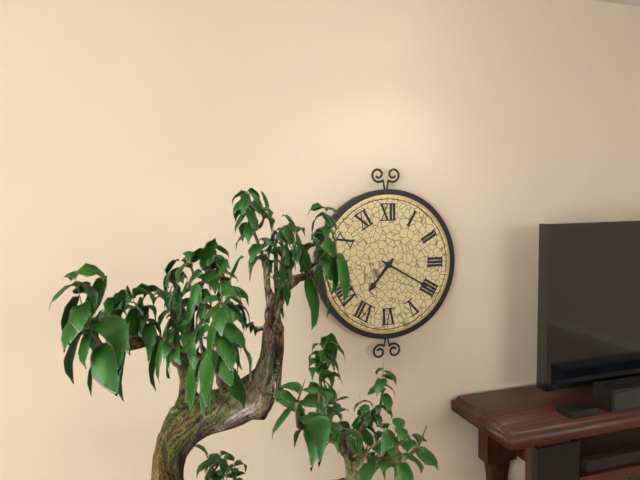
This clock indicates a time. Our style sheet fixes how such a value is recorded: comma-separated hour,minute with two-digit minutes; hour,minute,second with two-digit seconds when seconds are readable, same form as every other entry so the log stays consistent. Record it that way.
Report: 7,20
